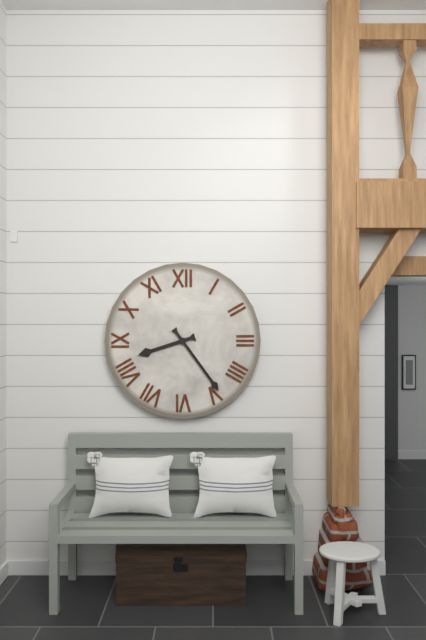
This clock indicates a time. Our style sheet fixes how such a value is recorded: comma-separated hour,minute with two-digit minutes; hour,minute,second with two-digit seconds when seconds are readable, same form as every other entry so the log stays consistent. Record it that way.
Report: 8,24
